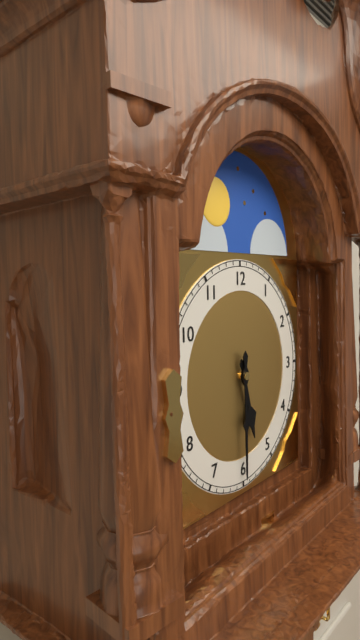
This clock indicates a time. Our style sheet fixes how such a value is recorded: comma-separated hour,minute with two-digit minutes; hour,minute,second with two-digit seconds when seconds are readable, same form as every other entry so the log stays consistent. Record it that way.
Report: 5,30
